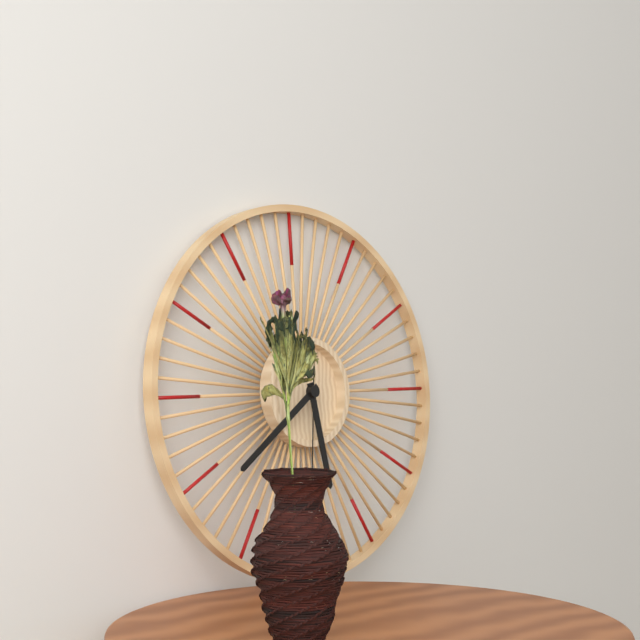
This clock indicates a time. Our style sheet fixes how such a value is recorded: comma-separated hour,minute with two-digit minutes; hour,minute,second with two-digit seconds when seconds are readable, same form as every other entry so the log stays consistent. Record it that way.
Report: 5,39
